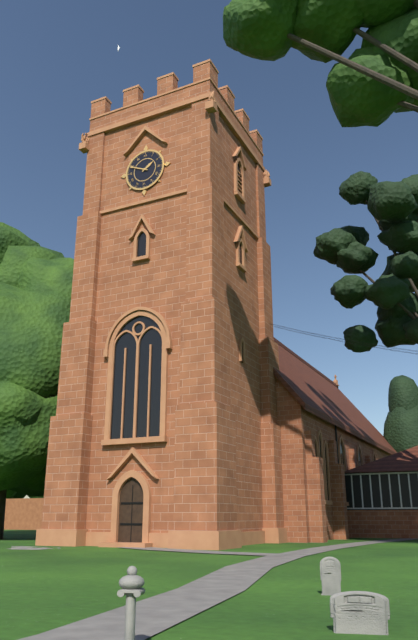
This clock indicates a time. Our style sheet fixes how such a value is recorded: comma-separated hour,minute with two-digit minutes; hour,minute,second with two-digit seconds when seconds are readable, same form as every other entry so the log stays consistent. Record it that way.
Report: 1,49
